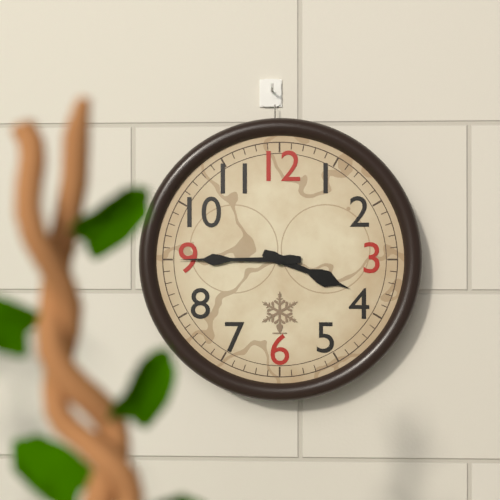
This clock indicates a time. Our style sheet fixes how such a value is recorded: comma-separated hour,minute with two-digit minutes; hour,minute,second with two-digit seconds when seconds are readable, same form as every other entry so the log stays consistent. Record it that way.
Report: 3,45
